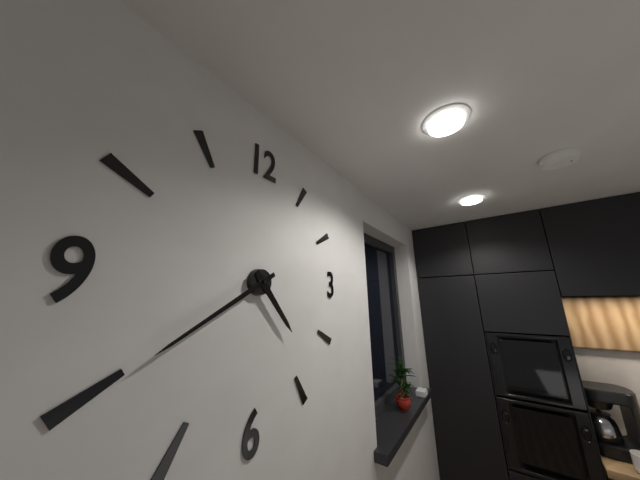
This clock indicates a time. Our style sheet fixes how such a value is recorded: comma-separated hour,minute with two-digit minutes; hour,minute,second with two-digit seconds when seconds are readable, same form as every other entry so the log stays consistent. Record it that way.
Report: 4,40
